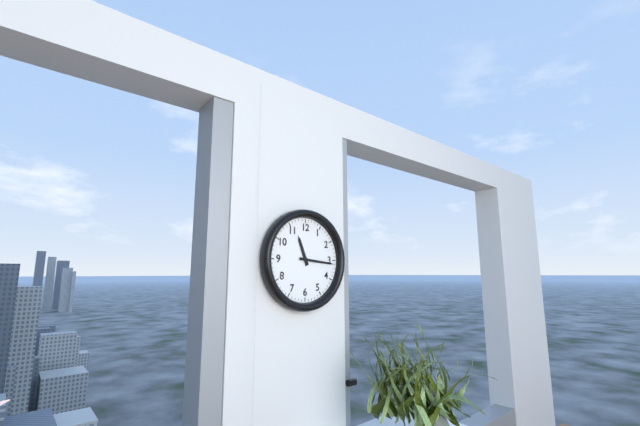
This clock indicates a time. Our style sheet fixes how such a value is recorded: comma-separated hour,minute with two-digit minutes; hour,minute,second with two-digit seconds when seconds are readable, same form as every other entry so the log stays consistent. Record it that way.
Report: 11,16
